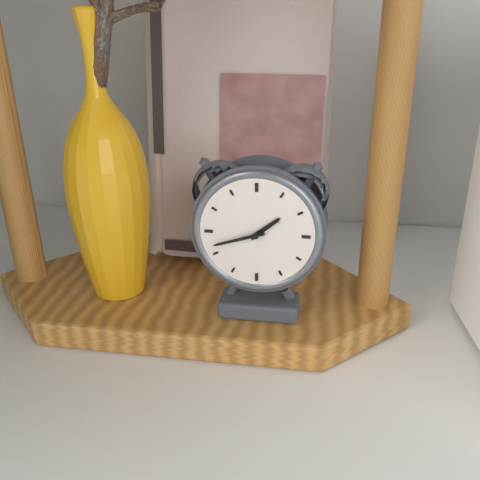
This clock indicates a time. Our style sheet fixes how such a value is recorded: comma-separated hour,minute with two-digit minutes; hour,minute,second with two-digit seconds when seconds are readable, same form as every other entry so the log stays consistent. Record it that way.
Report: 1,42
